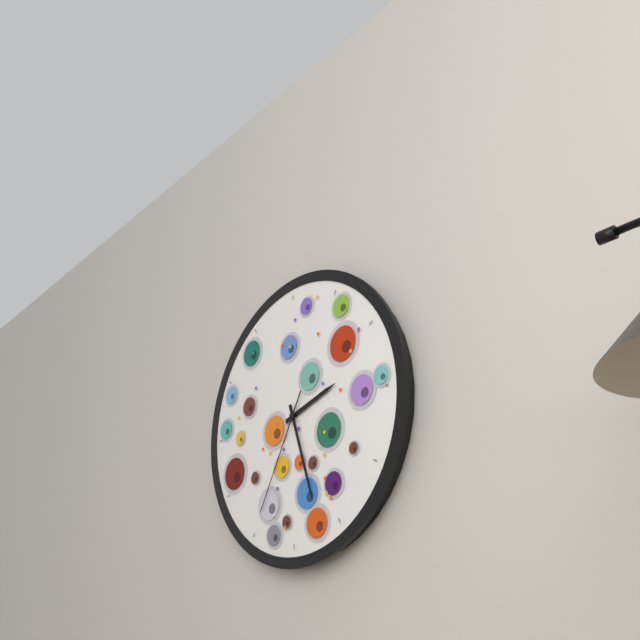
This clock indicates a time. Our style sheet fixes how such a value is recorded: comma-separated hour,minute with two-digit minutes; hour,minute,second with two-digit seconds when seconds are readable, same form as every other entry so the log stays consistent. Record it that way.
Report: 2,27,35
